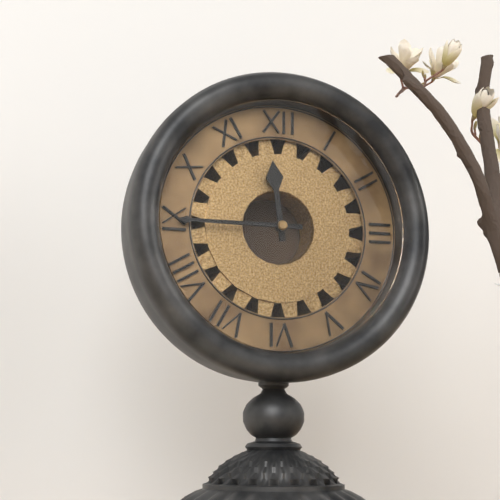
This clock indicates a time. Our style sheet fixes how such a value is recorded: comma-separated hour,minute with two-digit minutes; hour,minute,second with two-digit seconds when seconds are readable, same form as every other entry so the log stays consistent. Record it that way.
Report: 11,45
